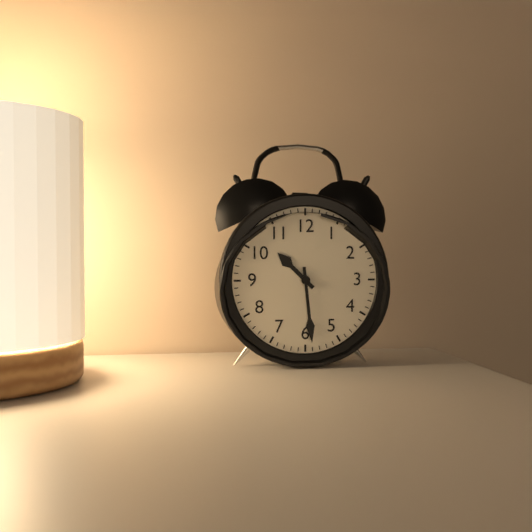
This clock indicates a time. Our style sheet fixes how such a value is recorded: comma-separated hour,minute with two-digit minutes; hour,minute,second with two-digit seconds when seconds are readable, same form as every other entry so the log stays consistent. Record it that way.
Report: 10,29
